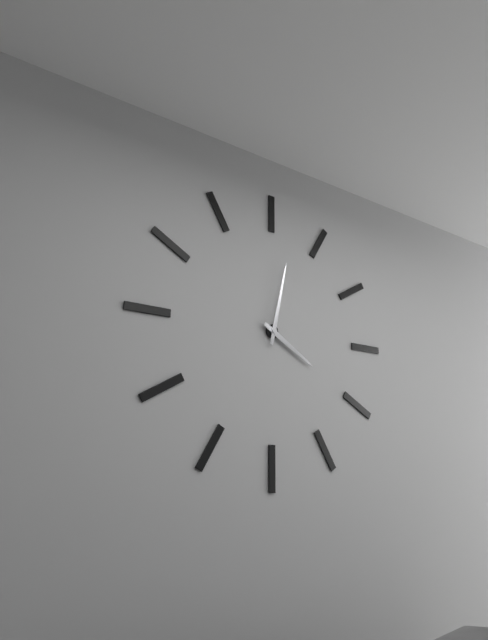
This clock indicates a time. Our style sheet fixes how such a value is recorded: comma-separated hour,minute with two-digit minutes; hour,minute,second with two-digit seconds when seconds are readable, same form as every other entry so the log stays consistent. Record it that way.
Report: 4,02
